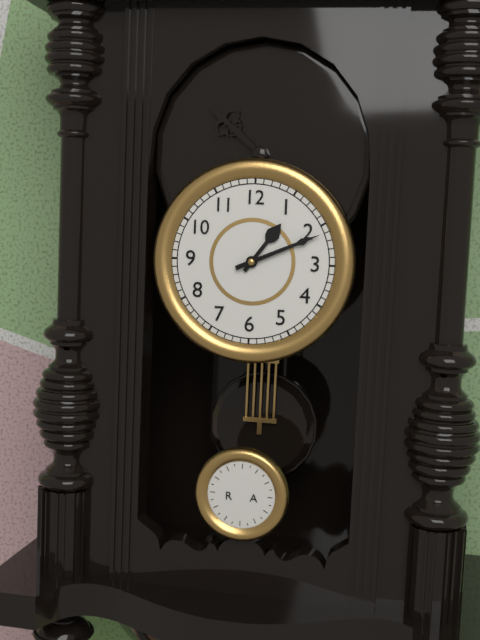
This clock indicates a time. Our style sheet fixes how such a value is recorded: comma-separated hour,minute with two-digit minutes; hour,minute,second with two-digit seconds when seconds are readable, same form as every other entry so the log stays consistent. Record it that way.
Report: 1,11
